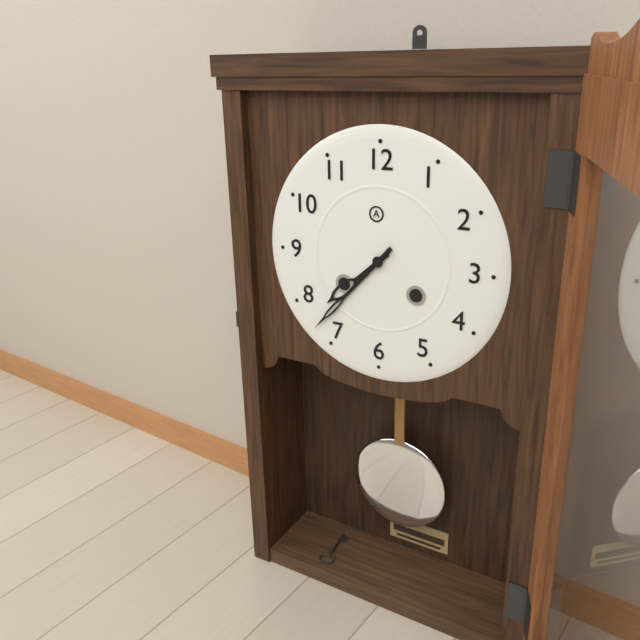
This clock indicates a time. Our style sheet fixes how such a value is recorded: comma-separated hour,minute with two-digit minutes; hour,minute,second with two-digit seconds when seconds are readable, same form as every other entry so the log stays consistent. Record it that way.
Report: 7,37
